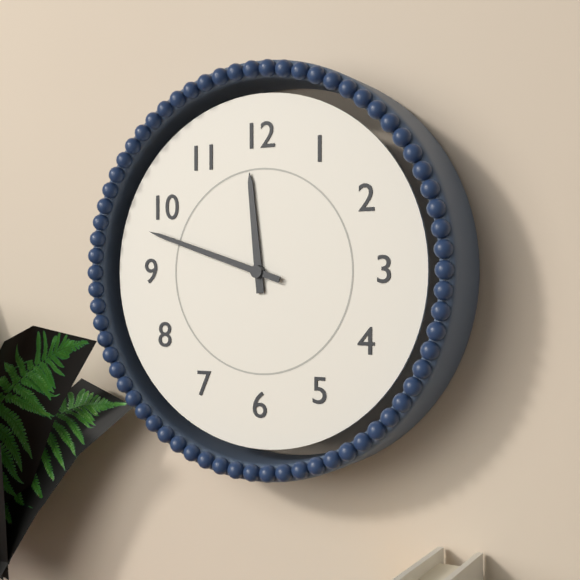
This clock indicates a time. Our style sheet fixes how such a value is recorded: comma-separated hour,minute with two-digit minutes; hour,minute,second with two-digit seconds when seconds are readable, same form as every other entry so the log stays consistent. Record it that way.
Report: 11,48
